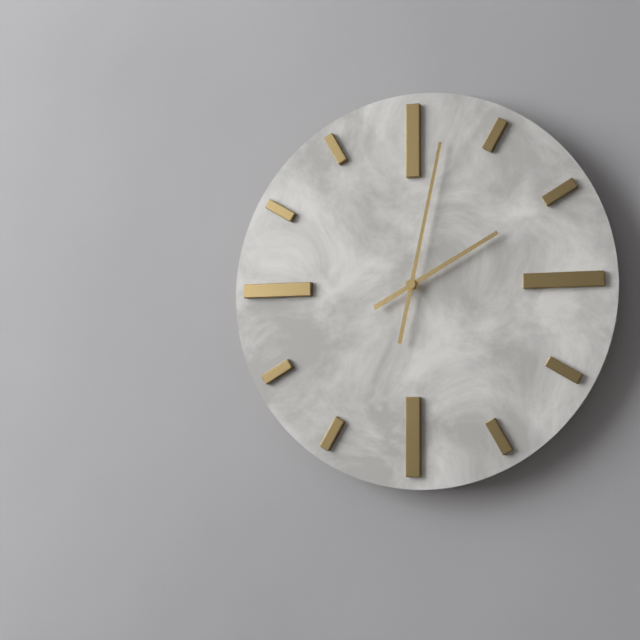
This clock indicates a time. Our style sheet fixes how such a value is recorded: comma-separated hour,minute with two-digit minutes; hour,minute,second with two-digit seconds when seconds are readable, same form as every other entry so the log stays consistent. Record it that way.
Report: 2,02
